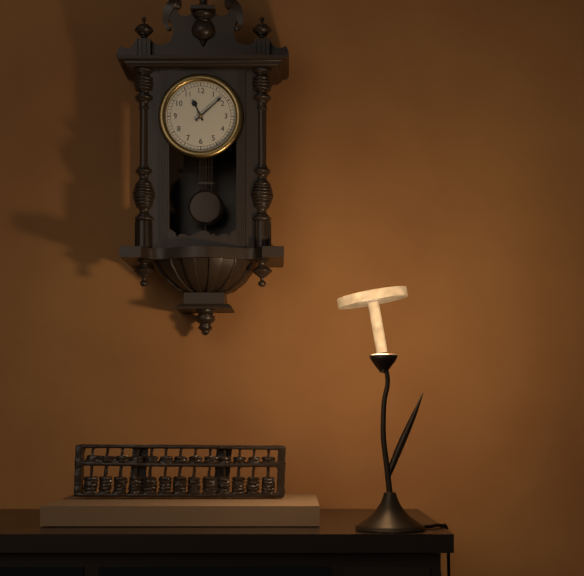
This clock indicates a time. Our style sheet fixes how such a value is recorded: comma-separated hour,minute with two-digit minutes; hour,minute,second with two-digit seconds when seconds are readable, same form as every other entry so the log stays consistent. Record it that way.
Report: 11,08
